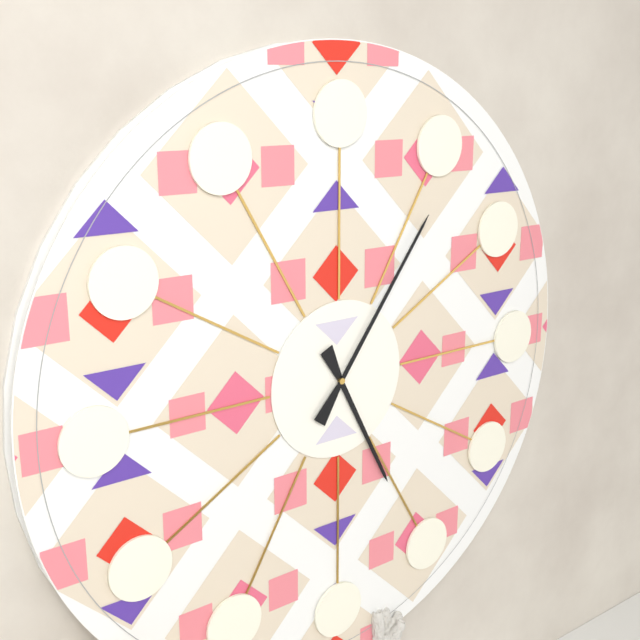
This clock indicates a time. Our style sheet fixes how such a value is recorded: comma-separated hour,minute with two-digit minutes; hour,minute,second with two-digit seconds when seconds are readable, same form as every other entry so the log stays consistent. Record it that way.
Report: 5,06
